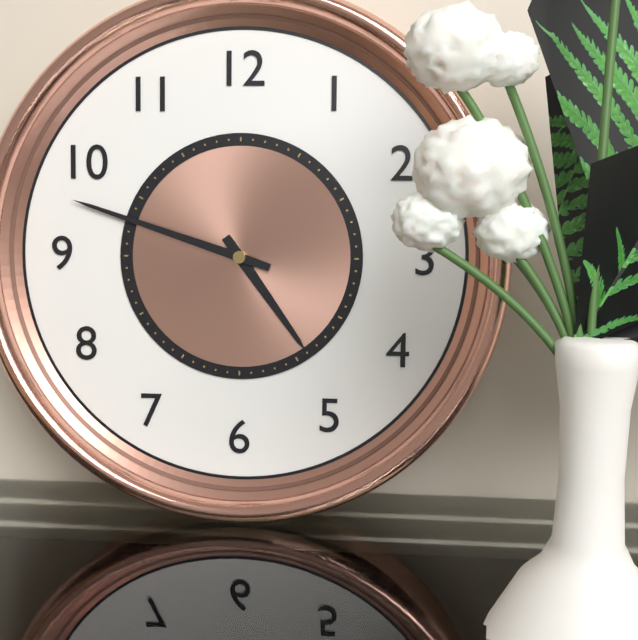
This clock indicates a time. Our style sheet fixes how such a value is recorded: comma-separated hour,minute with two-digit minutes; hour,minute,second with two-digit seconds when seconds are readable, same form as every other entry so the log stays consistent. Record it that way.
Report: 4,48
